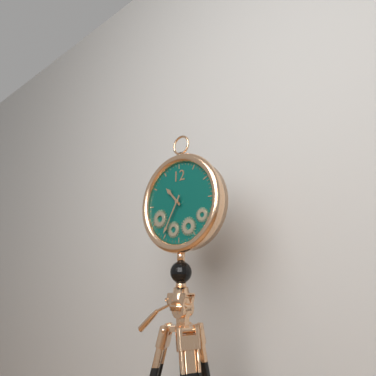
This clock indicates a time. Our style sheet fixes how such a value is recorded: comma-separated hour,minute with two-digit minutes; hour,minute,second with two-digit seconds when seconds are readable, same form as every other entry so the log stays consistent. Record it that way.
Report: 10,35
